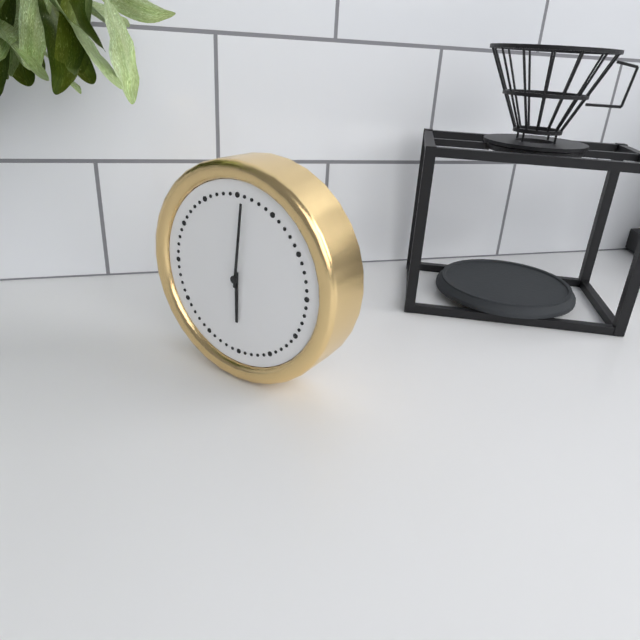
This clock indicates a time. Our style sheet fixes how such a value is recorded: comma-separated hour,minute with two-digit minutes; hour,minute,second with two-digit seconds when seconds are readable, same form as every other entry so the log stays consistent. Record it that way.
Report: 6,01
